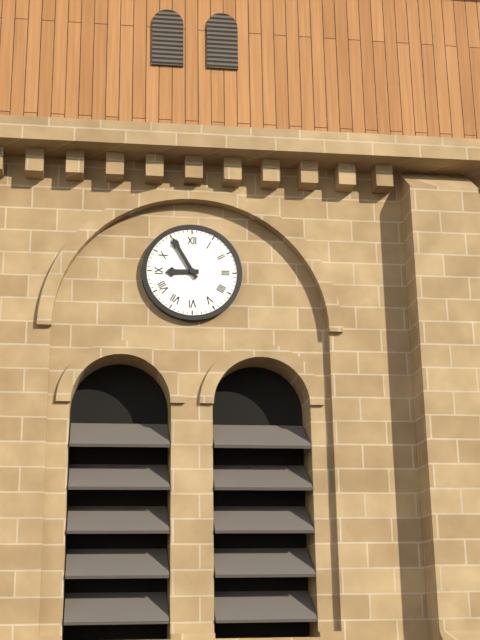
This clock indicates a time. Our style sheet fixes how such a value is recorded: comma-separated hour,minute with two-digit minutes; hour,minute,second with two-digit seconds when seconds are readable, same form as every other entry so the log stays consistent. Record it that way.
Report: 8,55
